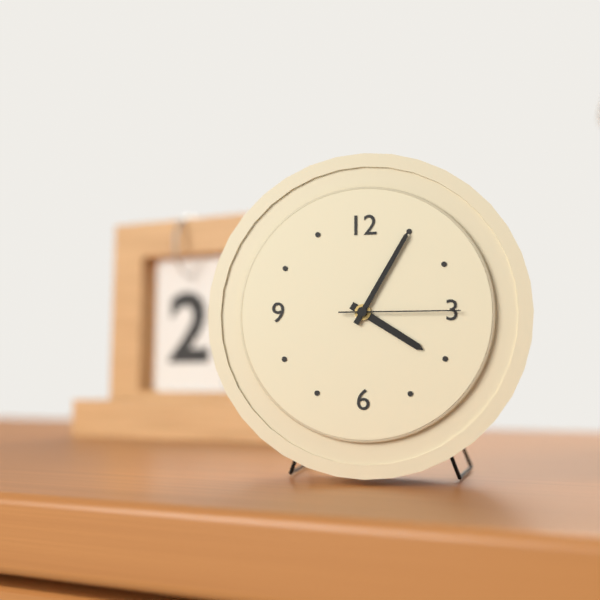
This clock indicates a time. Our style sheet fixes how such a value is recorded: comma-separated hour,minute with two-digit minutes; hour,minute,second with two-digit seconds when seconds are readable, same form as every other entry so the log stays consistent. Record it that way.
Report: 4,05,15
